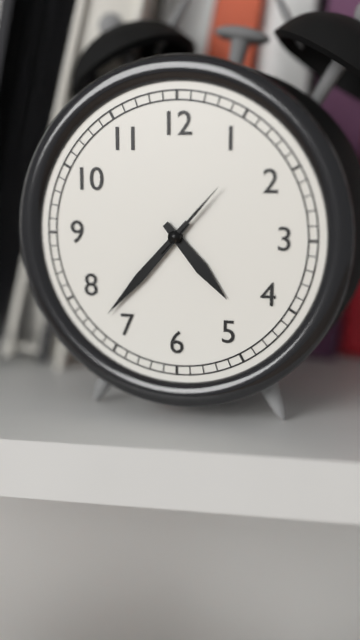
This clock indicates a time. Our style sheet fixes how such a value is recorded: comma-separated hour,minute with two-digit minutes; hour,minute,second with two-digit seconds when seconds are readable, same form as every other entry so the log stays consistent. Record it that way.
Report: 4,37,07
